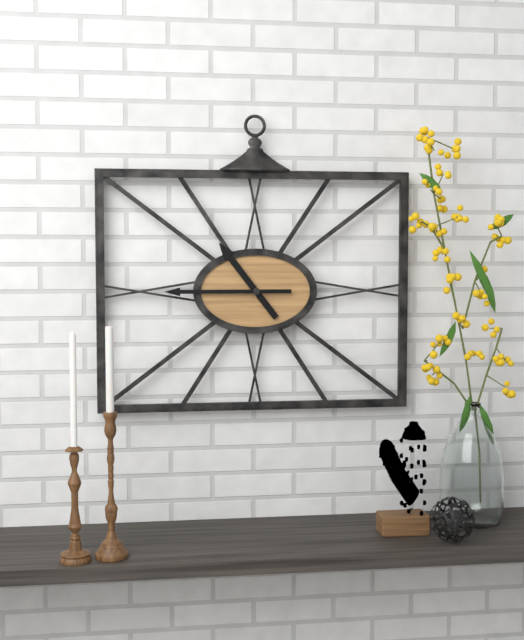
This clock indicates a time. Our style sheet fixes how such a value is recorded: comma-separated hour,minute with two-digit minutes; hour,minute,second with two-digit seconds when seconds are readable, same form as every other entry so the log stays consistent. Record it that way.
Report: 10,45
